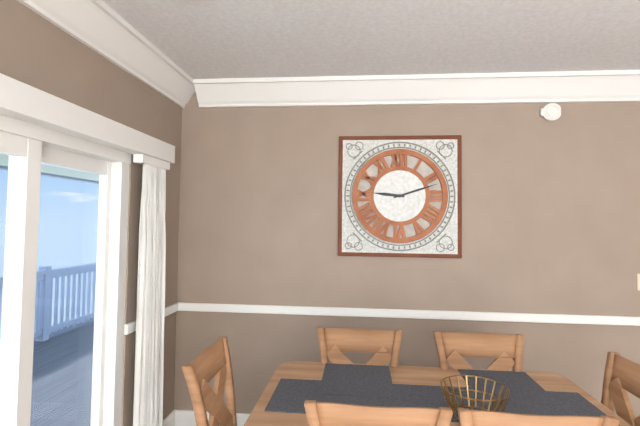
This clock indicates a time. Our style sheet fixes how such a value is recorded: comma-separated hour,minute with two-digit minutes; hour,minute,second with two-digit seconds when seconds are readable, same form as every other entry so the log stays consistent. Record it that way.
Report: 9,12
